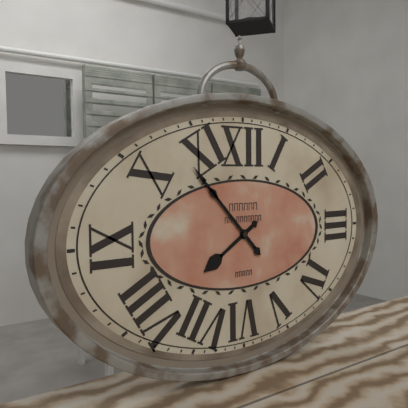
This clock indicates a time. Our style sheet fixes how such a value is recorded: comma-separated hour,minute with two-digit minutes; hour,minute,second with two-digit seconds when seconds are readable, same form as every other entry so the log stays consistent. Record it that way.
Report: 7,53
